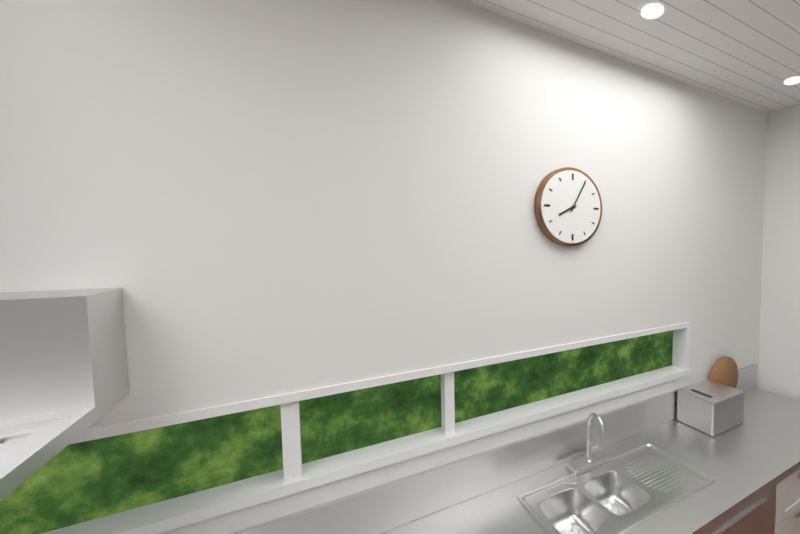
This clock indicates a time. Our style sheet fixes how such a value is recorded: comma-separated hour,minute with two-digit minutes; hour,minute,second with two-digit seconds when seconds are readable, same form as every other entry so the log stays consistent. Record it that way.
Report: 8,05
